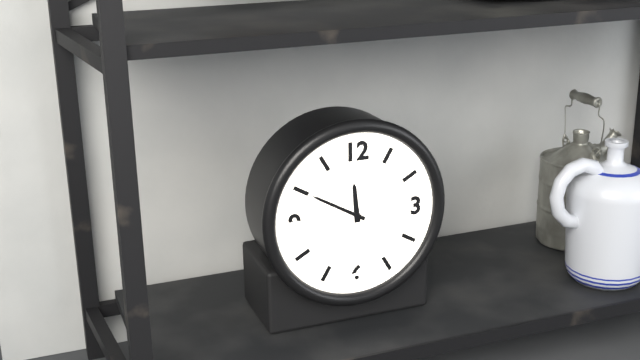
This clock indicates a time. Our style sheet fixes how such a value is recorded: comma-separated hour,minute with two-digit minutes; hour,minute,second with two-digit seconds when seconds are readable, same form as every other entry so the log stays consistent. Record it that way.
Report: 11,50
